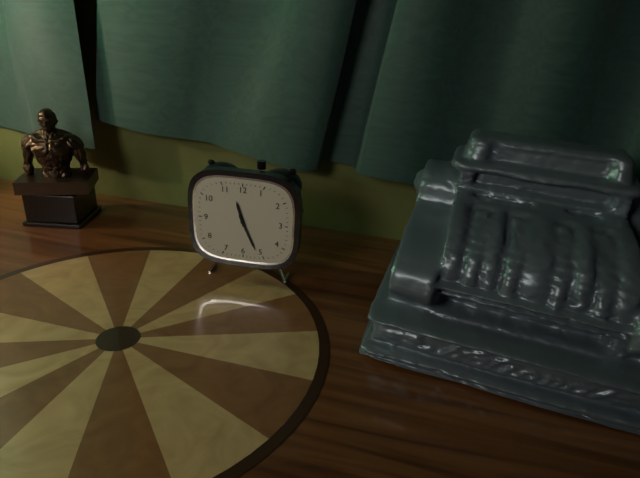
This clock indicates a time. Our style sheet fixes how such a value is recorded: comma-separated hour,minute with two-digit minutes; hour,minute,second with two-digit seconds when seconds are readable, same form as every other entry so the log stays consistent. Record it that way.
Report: 11,26
